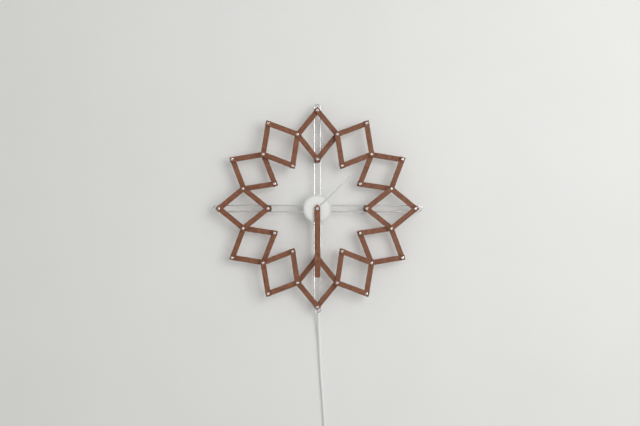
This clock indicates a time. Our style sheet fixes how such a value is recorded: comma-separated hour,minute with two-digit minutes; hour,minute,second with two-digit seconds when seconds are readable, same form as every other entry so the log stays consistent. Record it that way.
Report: 1,30
